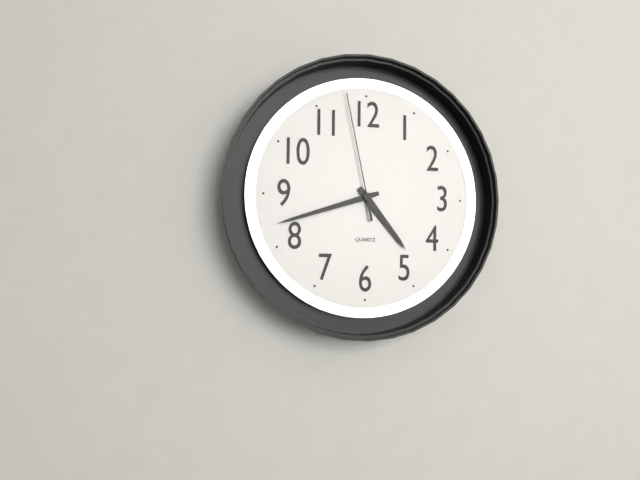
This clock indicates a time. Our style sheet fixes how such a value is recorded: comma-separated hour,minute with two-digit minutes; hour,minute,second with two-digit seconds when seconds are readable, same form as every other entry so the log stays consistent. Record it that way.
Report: 4,42,58
